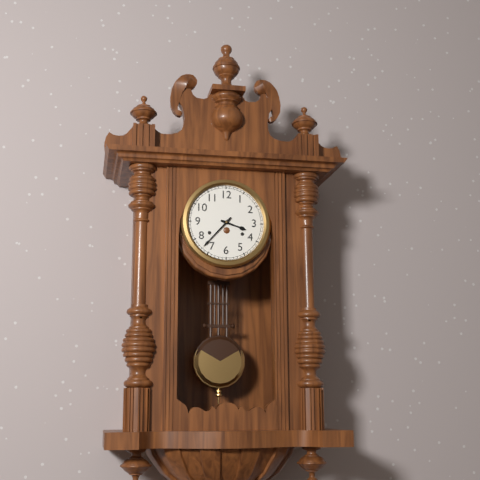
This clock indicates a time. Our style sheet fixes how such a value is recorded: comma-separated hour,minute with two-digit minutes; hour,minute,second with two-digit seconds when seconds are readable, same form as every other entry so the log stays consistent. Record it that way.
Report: 3,37
